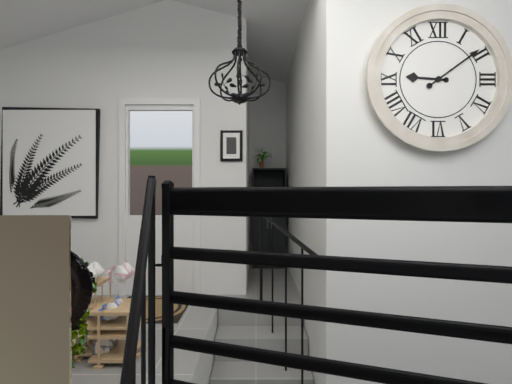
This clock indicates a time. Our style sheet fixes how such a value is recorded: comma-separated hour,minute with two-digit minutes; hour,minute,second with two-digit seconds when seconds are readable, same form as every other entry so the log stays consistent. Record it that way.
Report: 9,09
